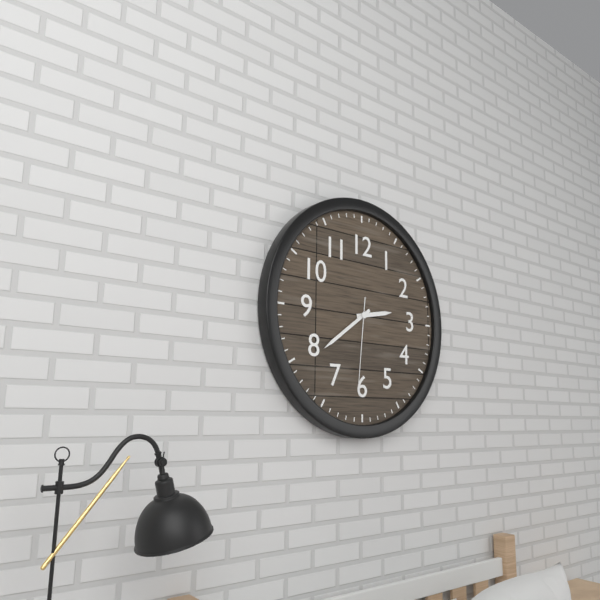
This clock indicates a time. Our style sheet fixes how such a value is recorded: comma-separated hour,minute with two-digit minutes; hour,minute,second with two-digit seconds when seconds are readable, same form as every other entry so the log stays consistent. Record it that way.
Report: 2,39,31
